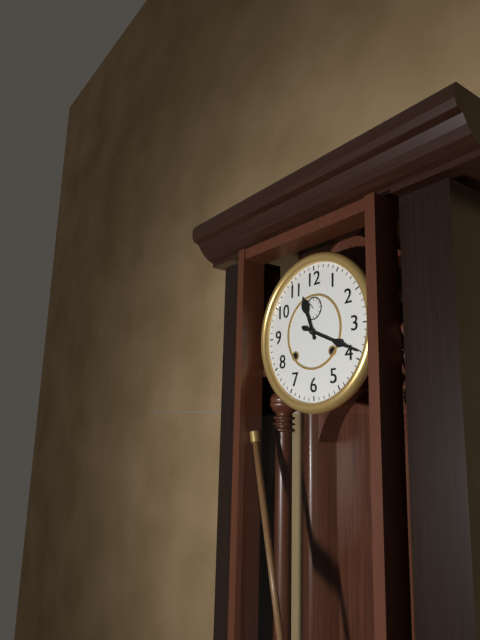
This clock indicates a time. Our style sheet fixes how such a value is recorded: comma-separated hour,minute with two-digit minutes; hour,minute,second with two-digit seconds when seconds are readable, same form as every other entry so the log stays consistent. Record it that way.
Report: 11,19
